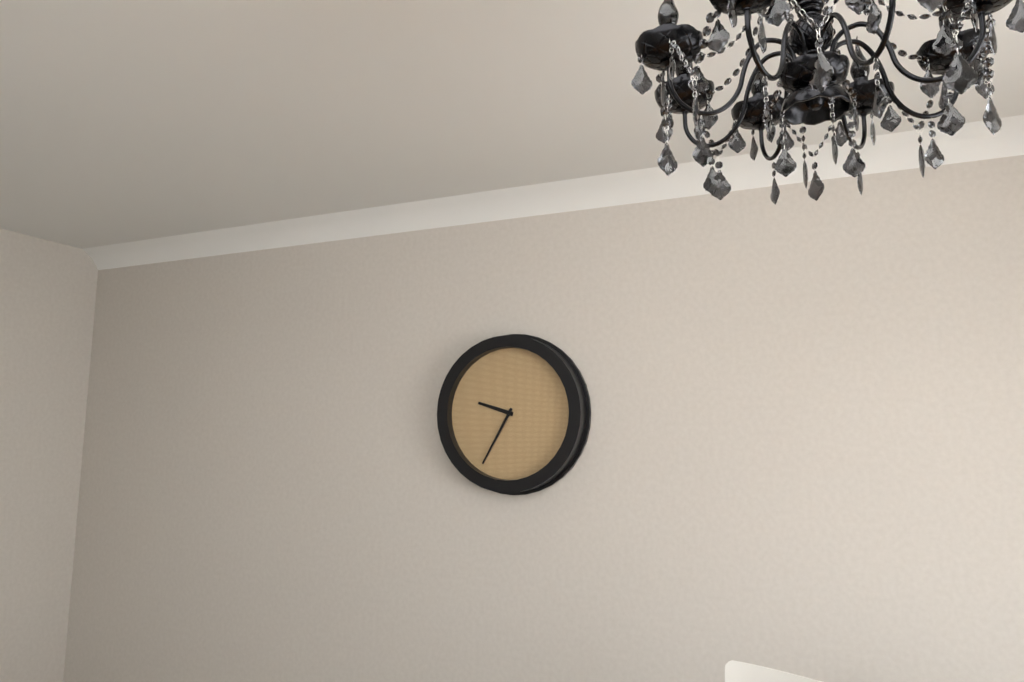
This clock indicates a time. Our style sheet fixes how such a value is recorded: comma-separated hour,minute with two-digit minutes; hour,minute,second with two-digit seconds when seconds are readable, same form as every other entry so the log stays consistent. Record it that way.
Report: 9,35
